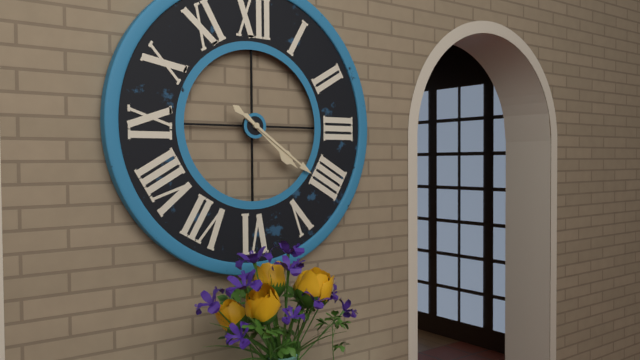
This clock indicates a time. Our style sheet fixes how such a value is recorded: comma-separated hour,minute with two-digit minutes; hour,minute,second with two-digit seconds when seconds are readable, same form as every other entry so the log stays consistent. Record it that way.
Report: 4,21
